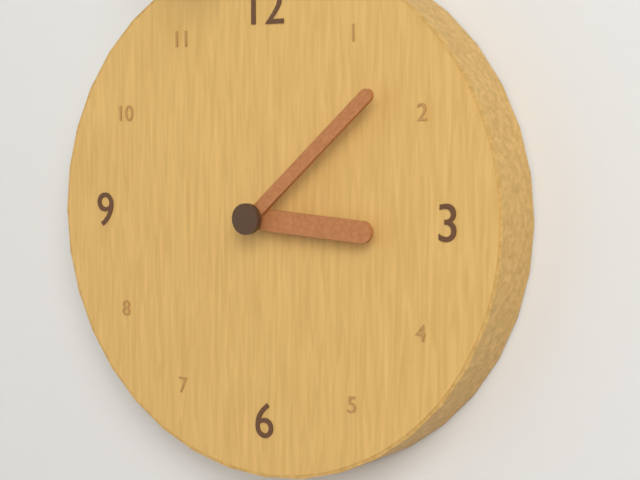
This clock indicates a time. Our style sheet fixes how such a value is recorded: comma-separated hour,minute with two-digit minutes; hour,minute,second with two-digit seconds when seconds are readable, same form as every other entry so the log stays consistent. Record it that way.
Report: 3,08
